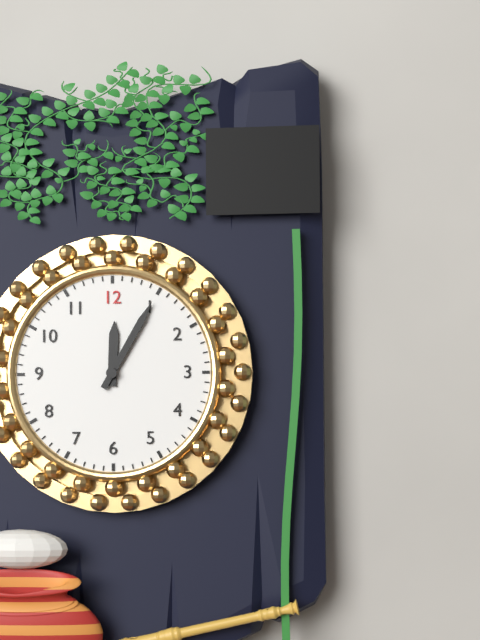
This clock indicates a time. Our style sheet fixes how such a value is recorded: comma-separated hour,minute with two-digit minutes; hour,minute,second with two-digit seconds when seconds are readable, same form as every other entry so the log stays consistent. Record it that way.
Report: 12,05
